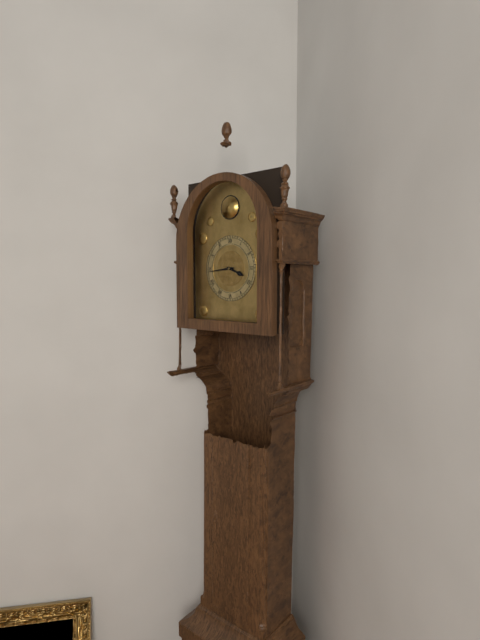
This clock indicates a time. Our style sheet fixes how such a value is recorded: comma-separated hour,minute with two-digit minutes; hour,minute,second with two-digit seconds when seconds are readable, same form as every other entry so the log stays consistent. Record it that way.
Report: 3,44
